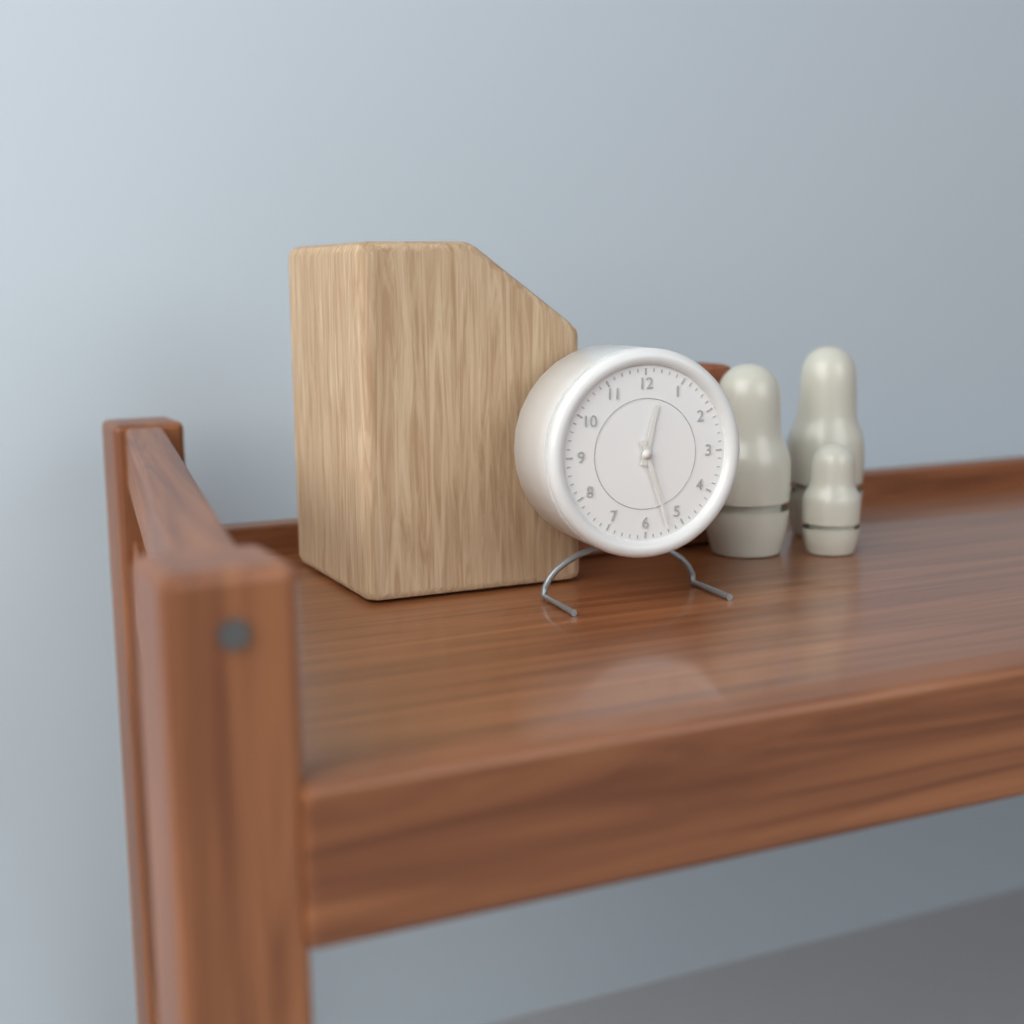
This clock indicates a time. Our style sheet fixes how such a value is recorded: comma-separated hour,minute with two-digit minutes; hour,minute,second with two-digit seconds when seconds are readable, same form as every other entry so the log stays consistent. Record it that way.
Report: 12,27
